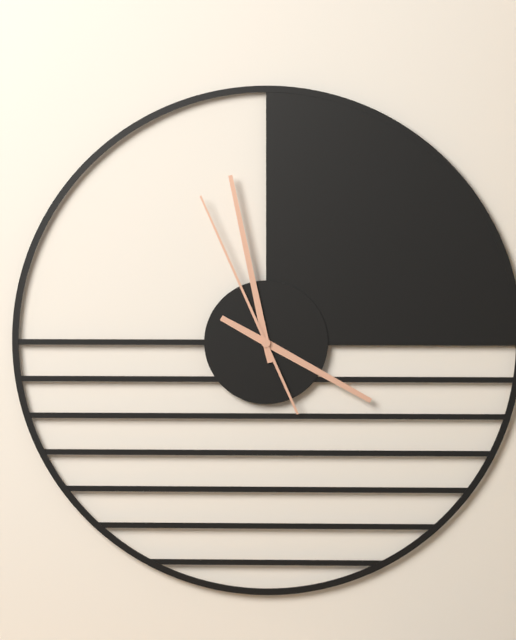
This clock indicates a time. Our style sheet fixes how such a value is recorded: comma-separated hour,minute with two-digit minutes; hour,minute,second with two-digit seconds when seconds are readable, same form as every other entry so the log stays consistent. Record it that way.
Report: 3,58,56
